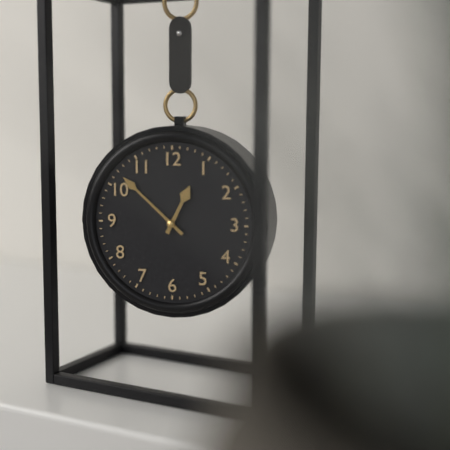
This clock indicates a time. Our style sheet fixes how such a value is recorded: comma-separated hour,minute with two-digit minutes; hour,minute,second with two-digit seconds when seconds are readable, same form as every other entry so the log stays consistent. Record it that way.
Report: 12,52
